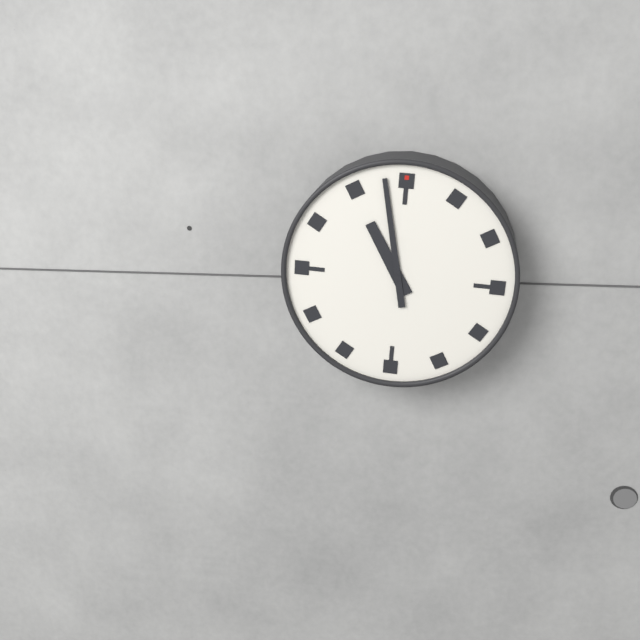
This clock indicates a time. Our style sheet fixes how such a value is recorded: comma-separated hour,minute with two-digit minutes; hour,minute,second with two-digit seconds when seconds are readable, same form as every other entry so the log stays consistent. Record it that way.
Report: 10,58
